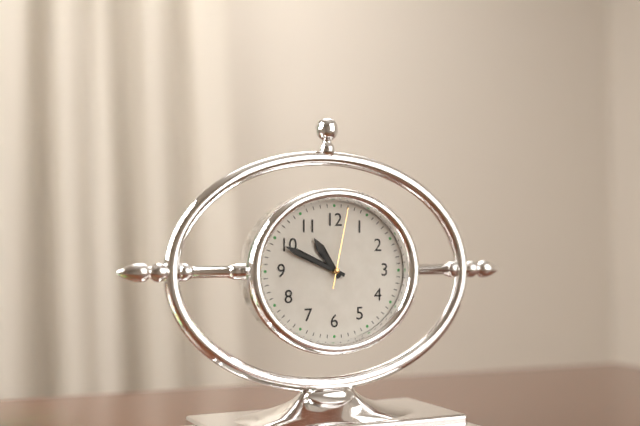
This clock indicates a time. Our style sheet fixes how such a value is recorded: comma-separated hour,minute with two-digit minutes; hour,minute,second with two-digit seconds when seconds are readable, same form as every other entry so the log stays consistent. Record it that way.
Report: 10,49,02
